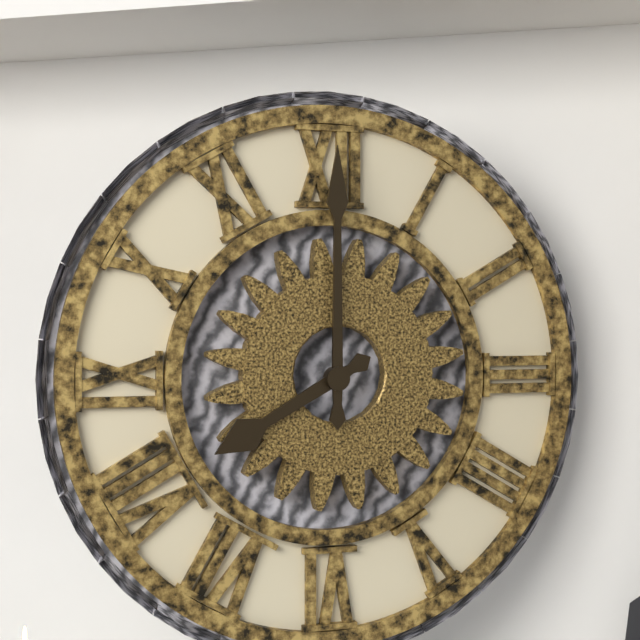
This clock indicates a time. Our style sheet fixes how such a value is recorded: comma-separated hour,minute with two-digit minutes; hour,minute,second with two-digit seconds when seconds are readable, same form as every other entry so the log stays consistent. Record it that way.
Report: 8,00
